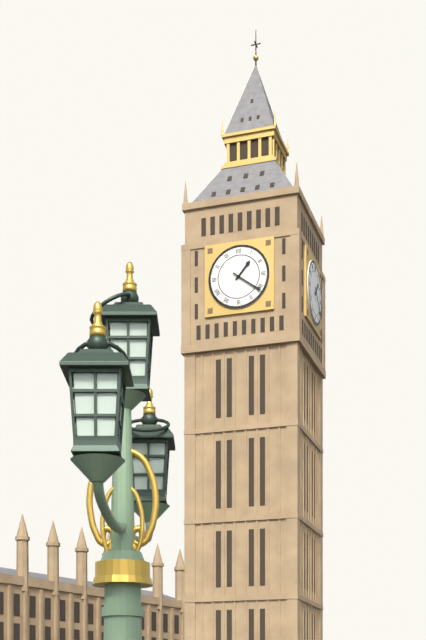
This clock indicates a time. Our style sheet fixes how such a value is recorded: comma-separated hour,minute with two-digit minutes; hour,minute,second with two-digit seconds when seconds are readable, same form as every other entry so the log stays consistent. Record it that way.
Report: 1,21
